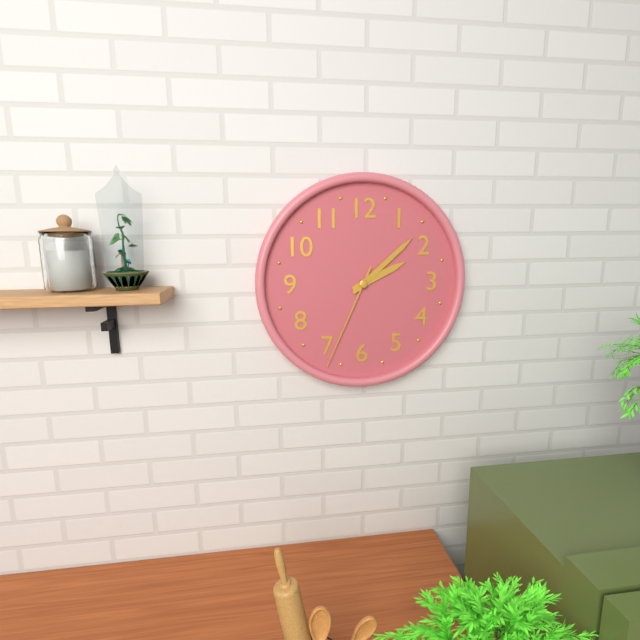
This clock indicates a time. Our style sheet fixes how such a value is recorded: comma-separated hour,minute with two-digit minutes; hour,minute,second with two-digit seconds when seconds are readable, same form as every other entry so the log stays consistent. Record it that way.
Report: 2,08,34
